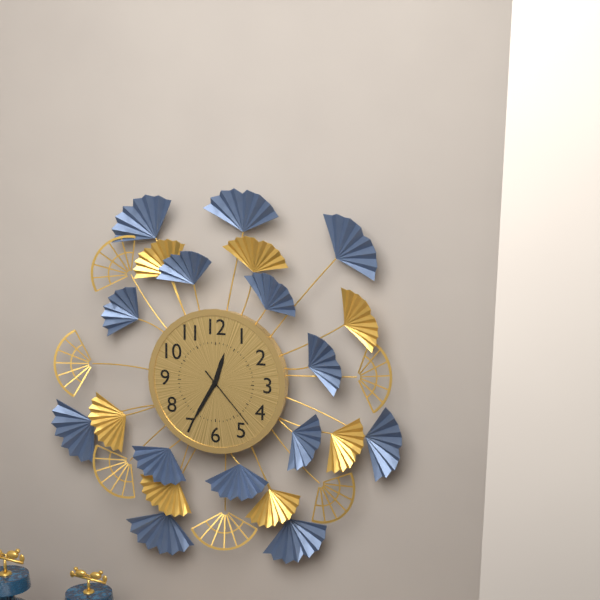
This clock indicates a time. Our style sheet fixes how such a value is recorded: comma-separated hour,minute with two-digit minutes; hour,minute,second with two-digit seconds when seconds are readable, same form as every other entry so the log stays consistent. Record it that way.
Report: 12,35,23
